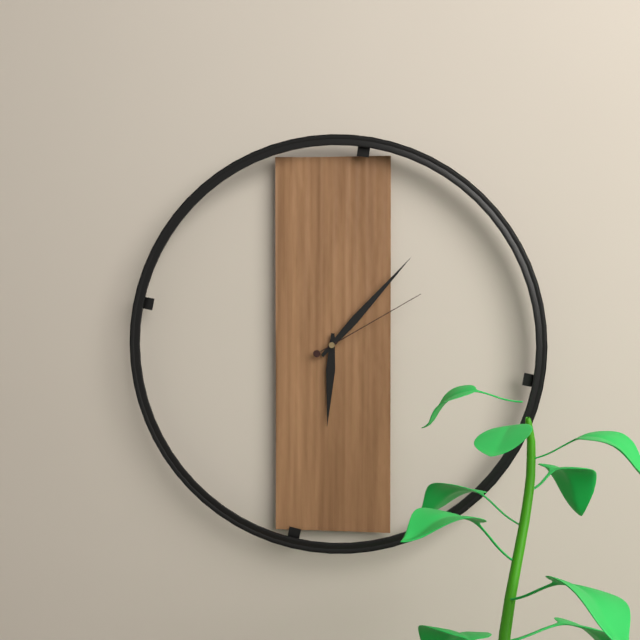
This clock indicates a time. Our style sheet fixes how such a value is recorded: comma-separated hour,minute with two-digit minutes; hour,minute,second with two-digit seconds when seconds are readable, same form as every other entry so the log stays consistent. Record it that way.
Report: 6,07,10
